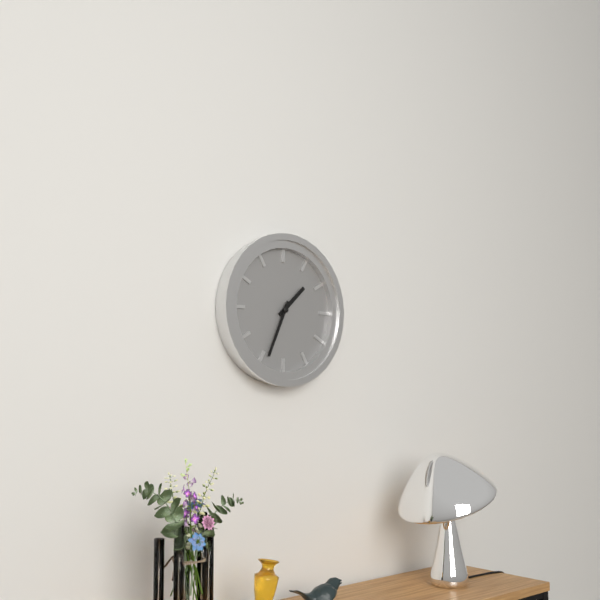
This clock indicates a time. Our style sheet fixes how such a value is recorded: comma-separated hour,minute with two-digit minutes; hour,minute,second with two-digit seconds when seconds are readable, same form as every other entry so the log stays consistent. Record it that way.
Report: 1,34
